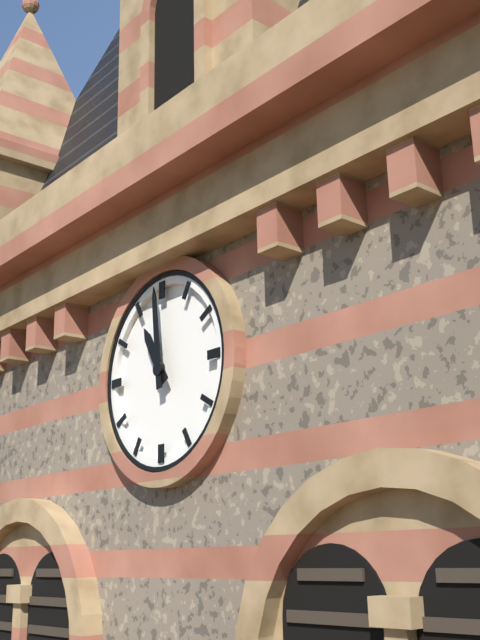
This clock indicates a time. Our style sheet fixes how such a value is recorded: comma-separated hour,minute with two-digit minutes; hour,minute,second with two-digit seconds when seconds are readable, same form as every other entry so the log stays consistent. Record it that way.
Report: 10,59
